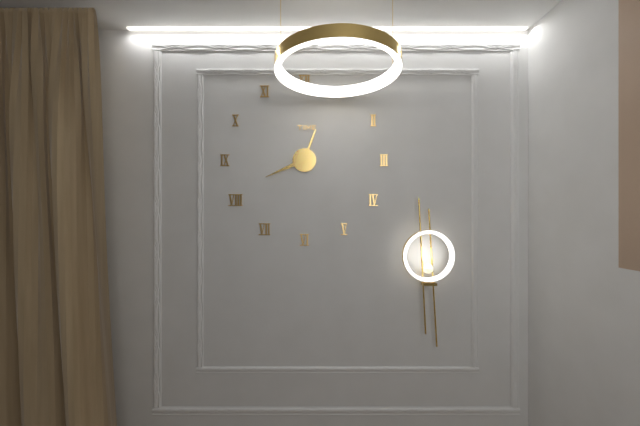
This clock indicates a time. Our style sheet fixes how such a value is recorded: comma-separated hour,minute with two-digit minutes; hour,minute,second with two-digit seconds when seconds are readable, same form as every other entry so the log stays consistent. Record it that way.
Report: 12,41
